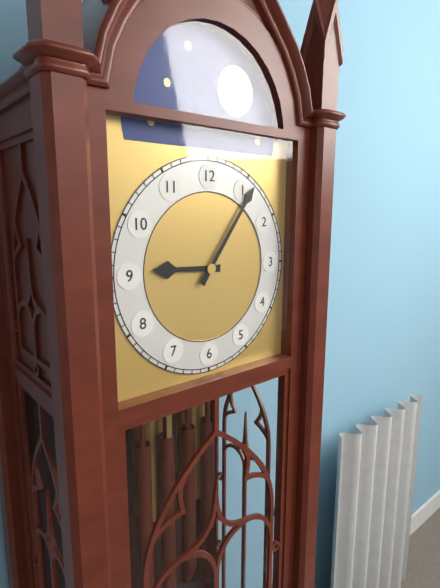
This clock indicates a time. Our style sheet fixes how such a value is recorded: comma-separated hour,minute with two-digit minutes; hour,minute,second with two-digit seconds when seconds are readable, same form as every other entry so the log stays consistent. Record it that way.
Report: 9,06
